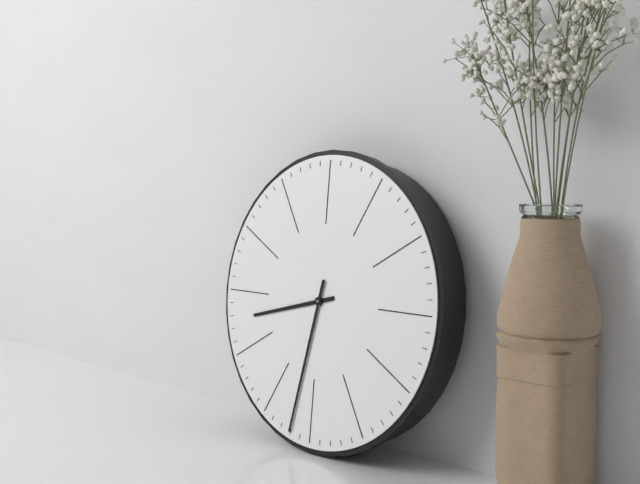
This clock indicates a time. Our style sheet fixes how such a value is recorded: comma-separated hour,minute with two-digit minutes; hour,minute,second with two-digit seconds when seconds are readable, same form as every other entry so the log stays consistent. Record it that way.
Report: 8,32
